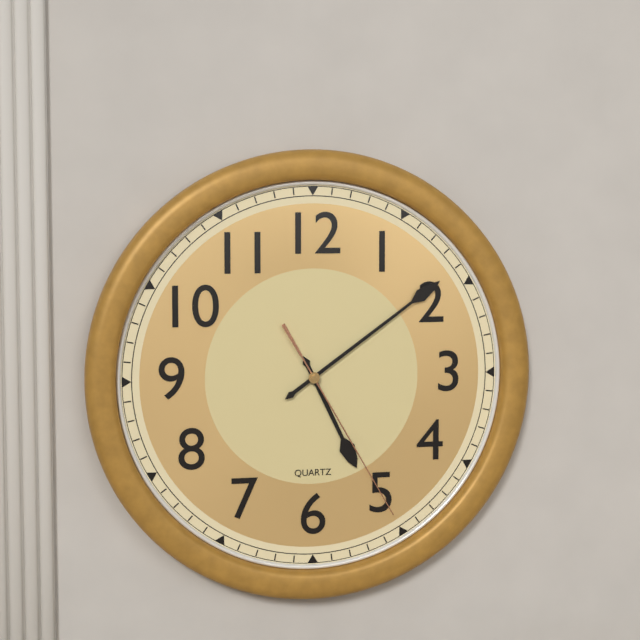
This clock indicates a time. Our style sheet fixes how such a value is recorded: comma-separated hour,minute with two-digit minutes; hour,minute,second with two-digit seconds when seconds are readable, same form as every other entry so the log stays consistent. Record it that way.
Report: 5,09,25
